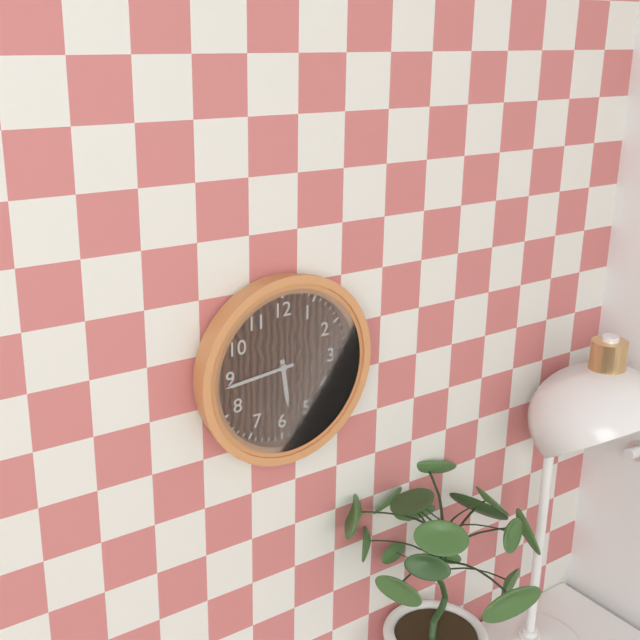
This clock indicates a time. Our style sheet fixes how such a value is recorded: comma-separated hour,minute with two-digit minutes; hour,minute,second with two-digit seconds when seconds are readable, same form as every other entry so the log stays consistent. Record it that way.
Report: 5,44
